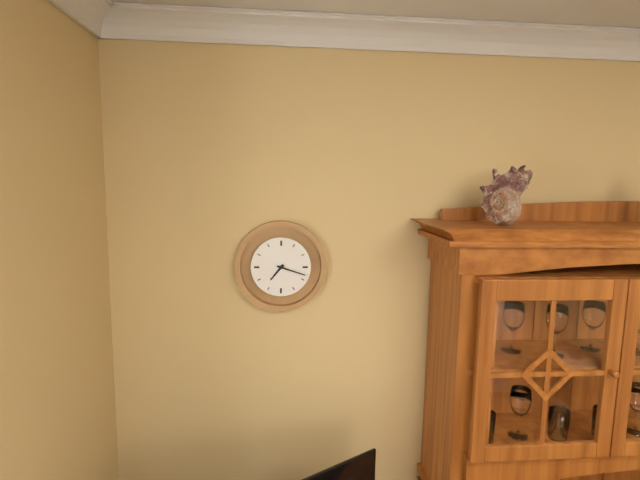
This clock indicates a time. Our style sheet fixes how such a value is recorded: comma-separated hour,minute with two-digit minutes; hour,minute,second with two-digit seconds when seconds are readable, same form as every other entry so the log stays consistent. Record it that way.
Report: 7,18
